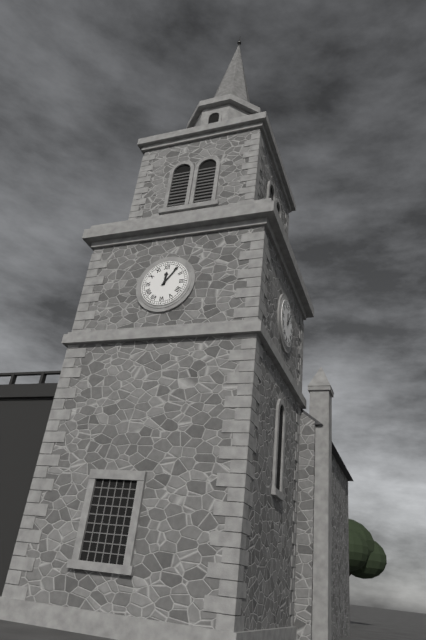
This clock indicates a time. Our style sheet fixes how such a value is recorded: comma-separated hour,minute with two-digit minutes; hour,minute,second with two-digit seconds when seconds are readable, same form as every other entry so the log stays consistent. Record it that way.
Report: 12,06
